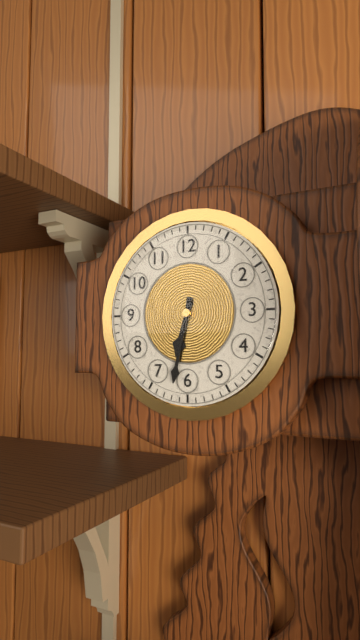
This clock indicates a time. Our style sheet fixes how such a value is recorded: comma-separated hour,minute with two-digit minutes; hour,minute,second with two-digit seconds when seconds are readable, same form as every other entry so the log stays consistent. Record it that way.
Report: 6,32
